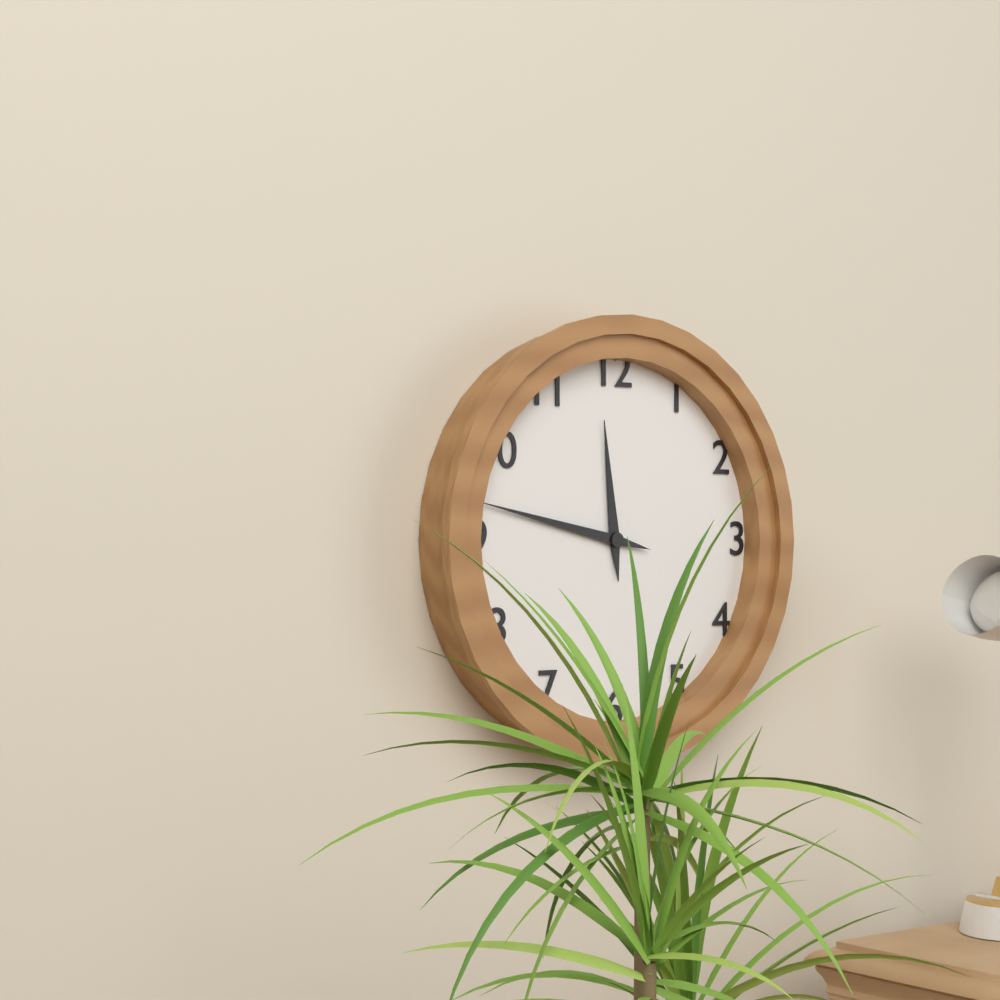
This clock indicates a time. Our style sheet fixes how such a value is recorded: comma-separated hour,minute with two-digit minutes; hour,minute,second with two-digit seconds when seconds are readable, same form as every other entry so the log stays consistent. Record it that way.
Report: 11,47
